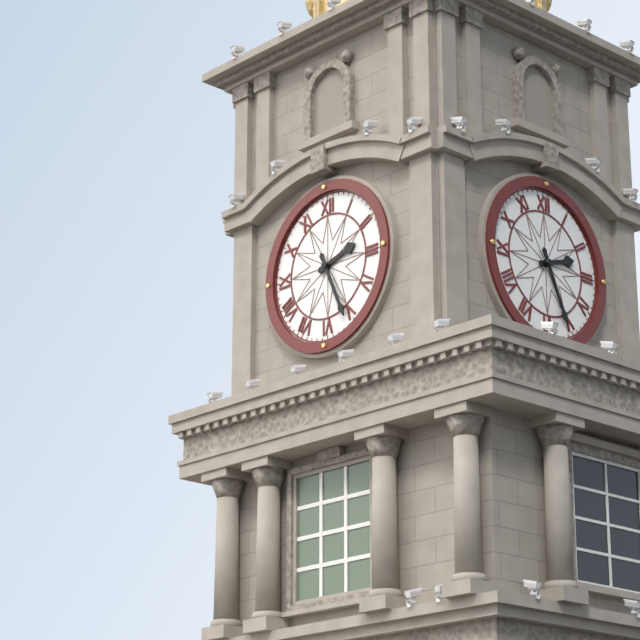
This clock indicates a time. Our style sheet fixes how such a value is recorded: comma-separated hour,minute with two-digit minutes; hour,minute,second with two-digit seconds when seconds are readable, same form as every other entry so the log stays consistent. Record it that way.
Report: 2,26
